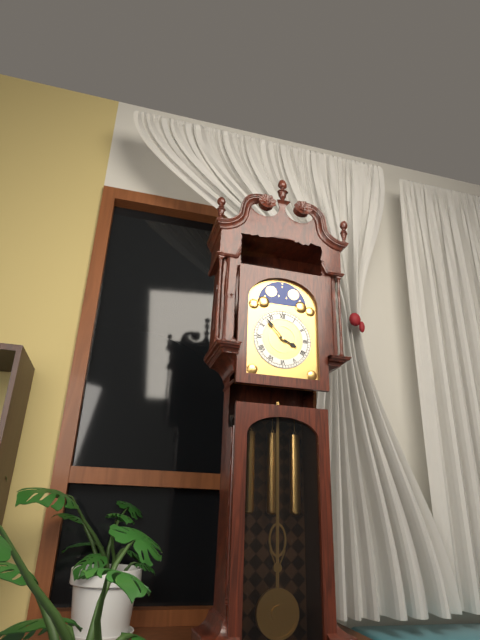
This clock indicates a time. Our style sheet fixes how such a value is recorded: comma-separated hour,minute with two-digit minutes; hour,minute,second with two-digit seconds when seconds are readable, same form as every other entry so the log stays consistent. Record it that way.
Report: 3,53
